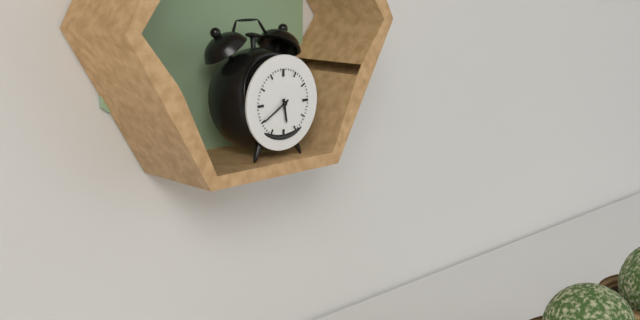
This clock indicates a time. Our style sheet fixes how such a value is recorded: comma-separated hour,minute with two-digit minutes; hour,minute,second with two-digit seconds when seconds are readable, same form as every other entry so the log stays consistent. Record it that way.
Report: 5,40
